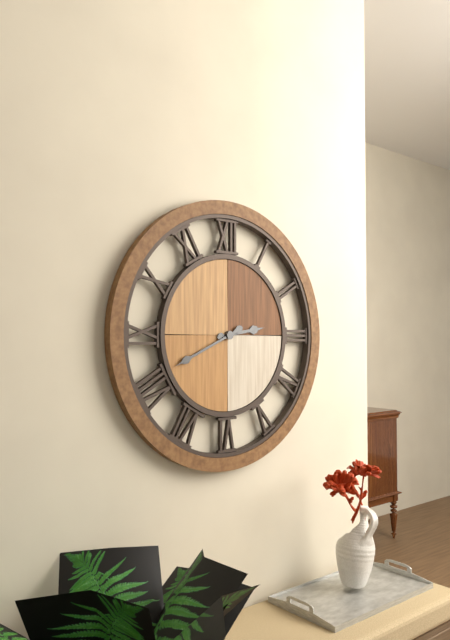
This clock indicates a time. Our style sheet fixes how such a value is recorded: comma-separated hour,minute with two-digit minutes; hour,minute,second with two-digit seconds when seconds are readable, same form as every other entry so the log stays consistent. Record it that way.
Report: 2,41
